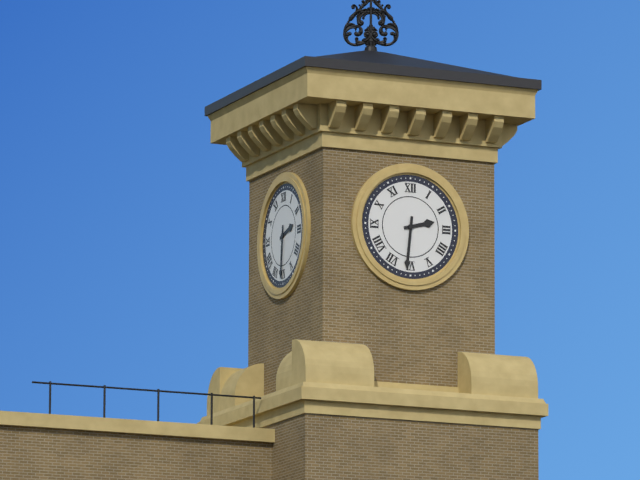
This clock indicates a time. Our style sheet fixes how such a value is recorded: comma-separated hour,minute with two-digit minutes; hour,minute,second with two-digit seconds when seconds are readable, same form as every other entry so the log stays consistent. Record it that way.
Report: 2,31
